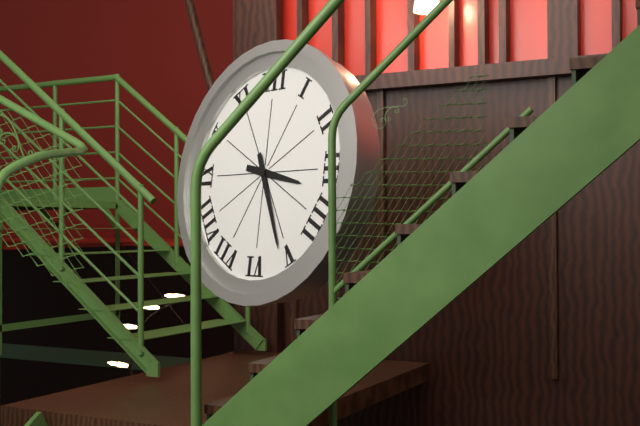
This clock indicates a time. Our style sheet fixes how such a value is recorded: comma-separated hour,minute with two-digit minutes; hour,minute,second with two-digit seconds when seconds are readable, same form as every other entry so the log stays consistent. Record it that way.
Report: 3,26
